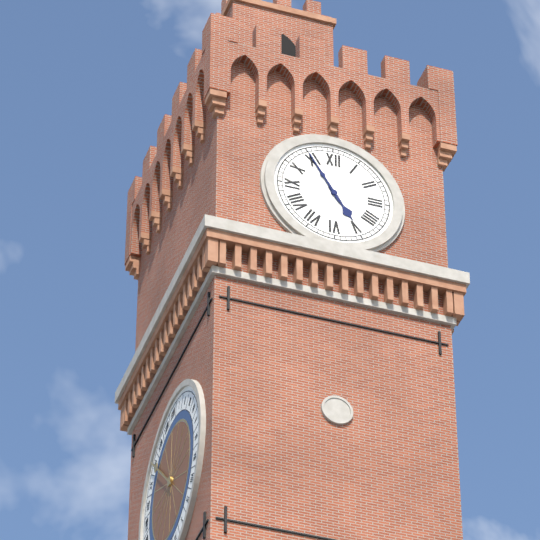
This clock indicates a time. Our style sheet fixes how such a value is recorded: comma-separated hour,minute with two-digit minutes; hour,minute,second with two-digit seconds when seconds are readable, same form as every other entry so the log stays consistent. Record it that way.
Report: 4,55
